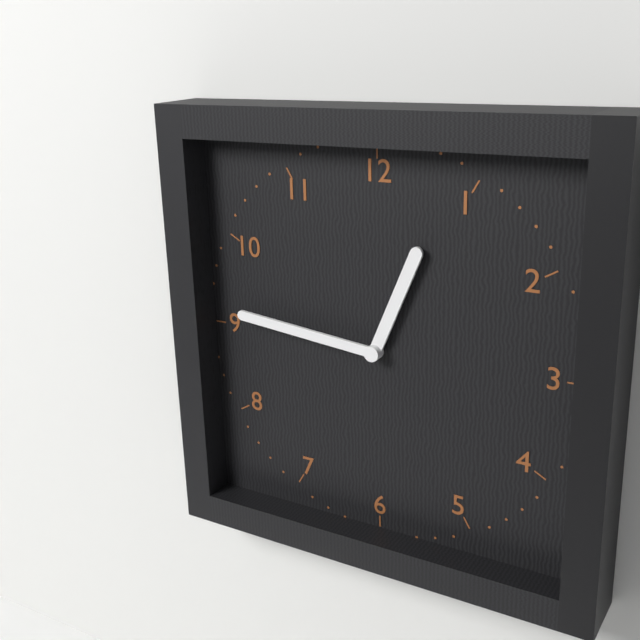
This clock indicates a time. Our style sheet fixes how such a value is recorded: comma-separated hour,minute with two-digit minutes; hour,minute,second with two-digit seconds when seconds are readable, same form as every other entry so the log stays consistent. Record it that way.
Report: 12,46
